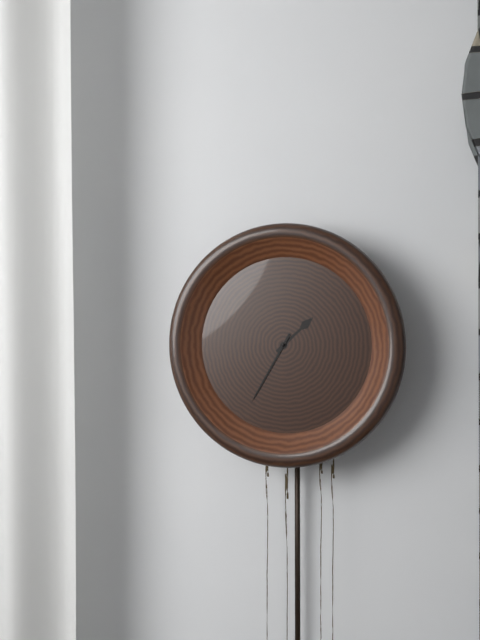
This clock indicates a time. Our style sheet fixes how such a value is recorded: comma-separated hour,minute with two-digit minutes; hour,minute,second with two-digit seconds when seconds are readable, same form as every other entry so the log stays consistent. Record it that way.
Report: 1,35
